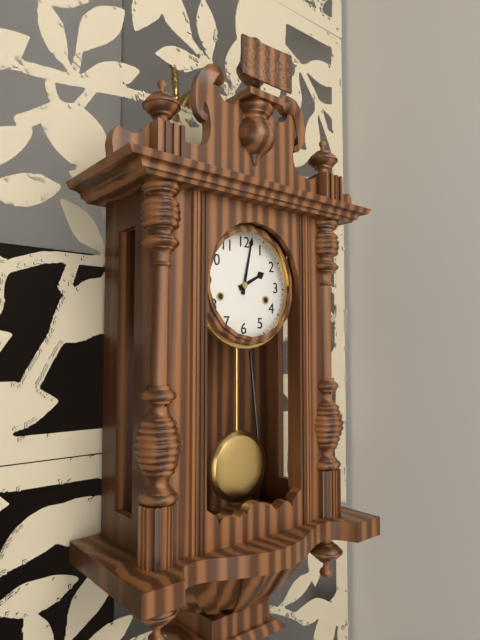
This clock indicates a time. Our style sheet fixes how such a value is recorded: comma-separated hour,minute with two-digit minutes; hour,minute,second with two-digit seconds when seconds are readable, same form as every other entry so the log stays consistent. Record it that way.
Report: 2,02
